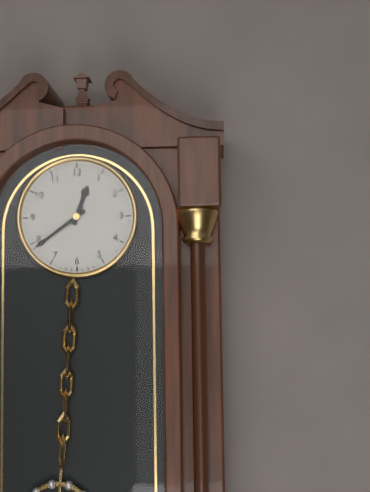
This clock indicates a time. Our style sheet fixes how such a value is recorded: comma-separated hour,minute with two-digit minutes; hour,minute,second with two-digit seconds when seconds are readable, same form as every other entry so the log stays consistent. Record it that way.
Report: 12,39
